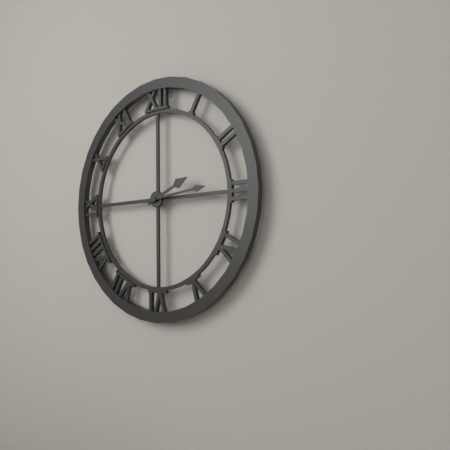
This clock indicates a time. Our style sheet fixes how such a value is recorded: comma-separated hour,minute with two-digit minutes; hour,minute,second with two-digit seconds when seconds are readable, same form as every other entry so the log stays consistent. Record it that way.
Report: 2,14
